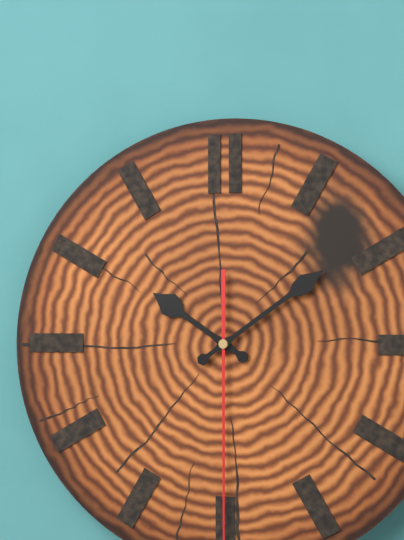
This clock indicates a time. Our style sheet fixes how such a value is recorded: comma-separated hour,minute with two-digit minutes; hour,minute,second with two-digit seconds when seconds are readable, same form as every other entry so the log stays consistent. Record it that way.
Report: 10,09
